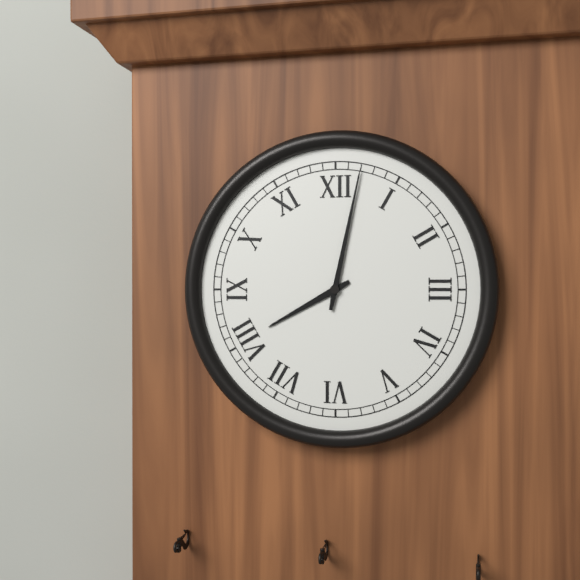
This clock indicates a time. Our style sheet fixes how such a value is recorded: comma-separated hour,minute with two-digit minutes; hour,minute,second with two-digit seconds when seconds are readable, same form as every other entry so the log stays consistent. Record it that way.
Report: 8,02
